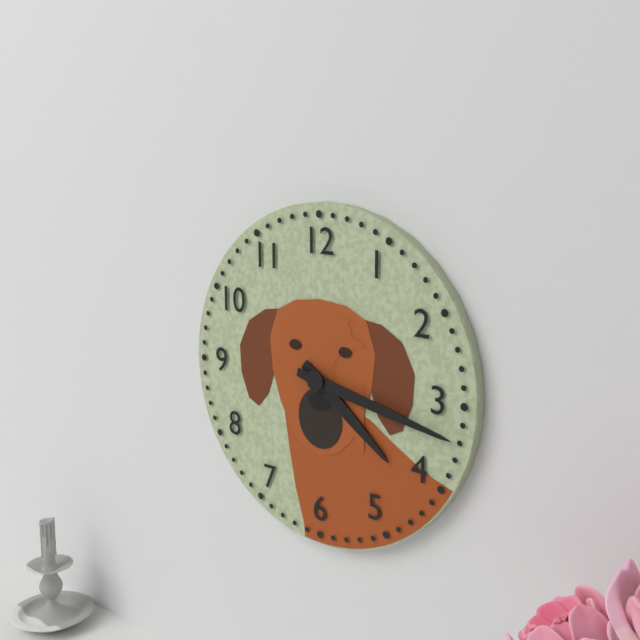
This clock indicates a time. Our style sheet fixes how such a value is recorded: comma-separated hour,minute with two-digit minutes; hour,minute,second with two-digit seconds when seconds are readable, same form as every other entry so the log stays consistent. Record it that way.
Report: 4,17
